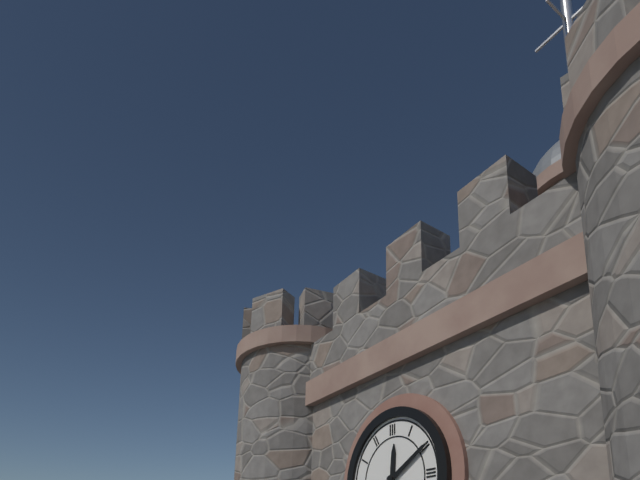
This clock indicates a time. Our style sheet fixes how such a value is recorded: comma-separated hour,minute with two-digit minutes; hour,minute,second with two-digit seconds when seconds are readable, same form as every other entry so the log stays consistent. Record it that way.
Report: 12,10
